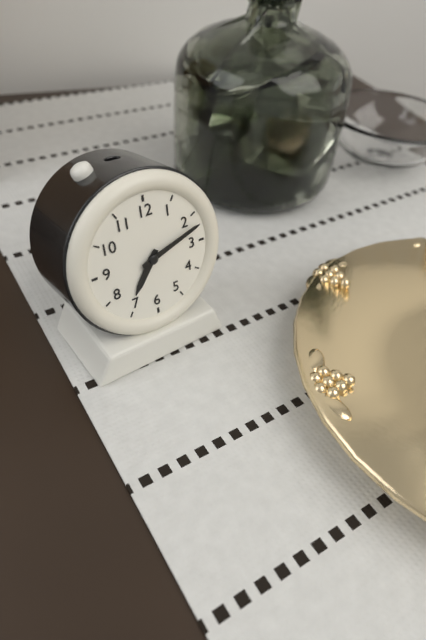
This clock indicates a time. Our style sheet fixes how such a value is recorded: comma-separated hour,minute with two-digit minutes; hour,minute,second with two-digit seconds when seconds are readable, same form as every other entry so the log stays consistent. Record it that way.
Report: 7,12
